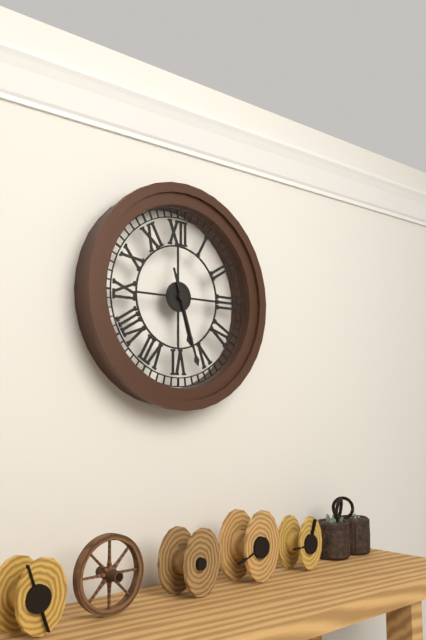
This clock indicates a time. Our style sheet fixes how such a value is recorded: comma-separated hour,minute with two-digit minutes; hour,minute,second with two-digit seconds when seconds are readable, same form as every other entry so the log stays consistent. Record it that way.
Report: 5,27
